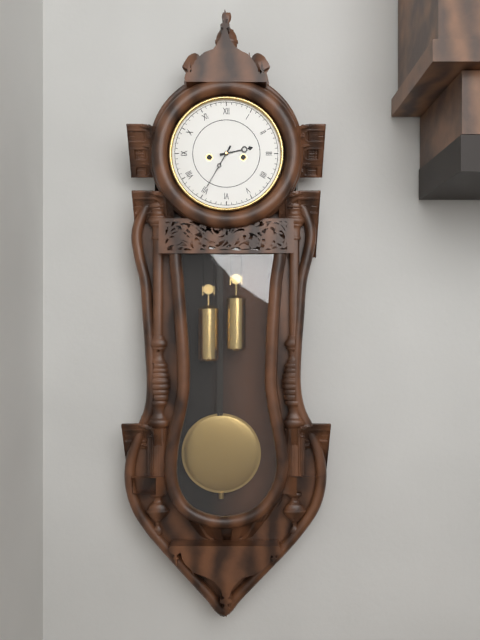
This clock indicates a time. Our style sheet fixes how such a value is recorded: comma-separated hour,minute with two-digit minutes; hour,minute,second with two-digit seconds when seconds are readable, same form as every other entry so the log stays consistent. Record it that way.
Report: 2,35
